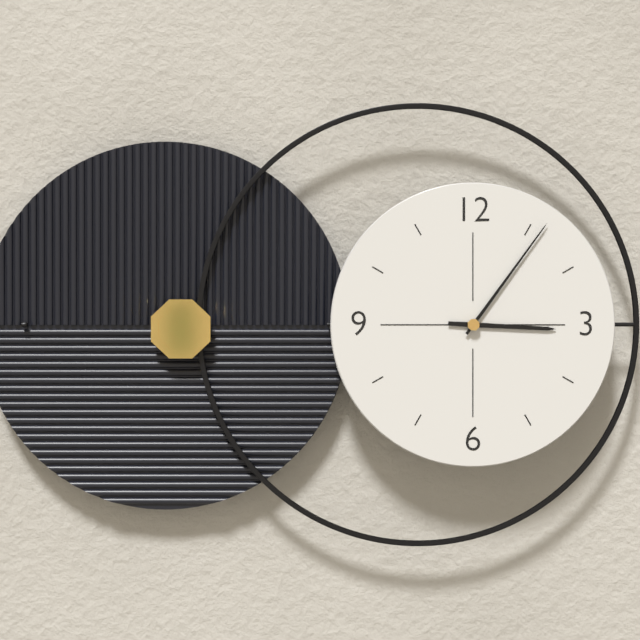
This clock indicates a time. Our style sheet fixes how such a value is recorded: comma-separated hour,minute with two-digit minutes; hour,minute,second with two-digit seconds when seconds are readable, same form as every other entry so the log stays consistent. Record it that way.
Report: 3,06
